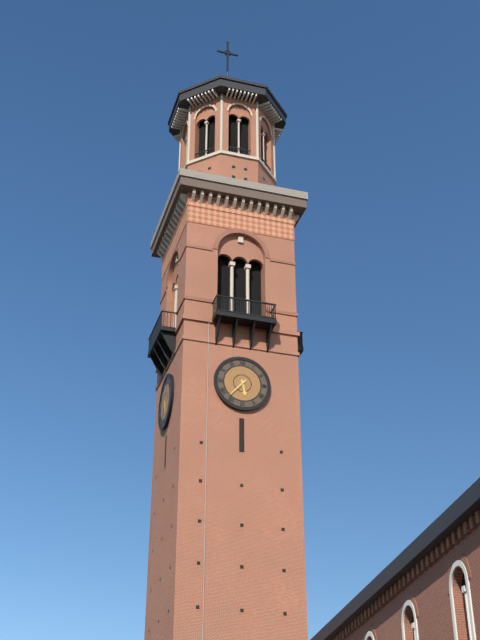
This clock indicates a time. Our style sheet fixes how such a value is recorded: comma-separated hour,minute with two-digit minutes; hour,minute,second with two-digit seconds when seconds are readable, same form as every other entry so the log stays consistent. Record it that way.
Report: 5,37
